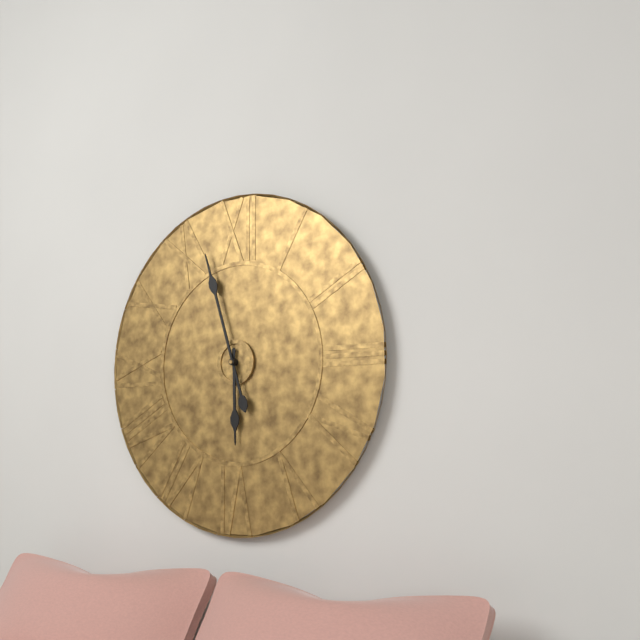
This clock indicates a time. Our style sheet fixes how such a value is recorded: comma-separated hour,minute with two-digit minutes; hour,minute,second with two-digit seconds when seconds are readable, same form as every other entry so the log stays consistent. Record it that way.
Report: 5,57
